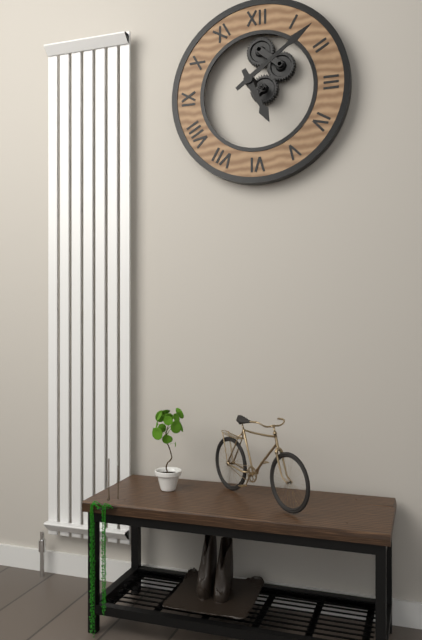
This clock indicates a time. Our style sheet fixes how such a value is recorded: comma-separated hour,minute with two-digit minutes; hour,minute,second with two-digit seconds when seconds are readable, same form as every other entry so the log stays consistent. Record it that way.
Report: 5,09
